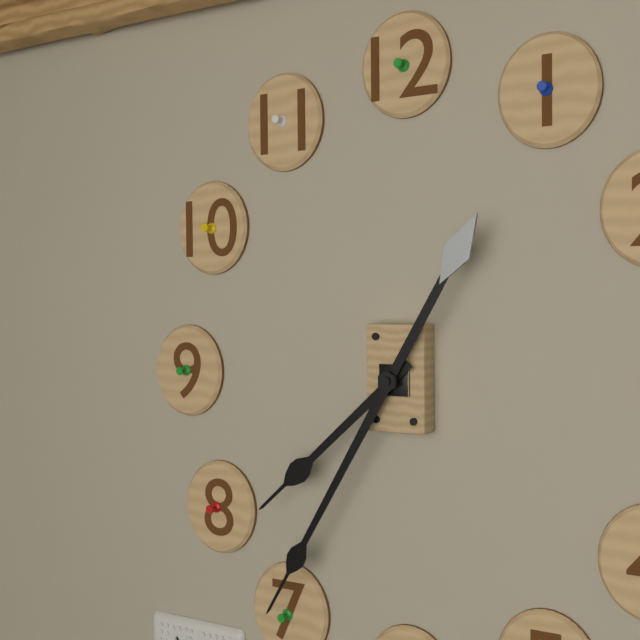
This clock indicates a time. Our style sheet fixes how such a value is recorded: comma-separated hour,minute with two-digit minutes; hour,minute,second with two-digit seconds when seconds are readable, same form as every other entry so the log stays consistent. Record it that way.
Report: 7,35
